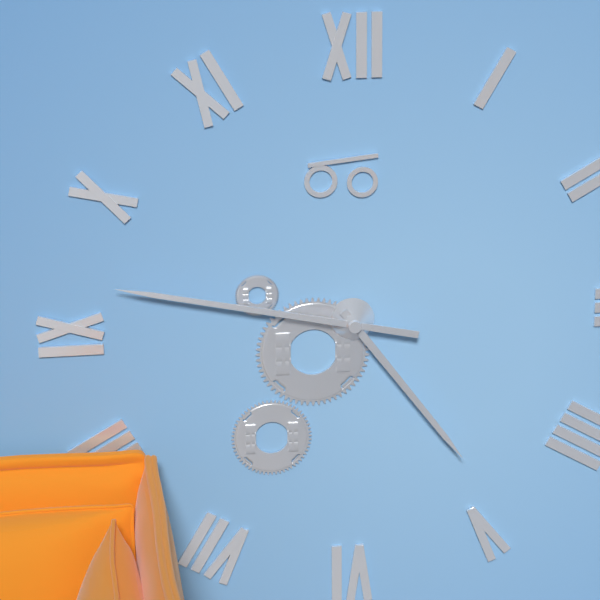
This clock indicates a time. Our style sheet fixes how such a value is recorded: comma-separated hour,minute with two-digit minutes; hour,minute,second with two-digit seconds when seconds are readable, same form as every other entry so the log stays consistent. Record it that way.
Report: 4,47
